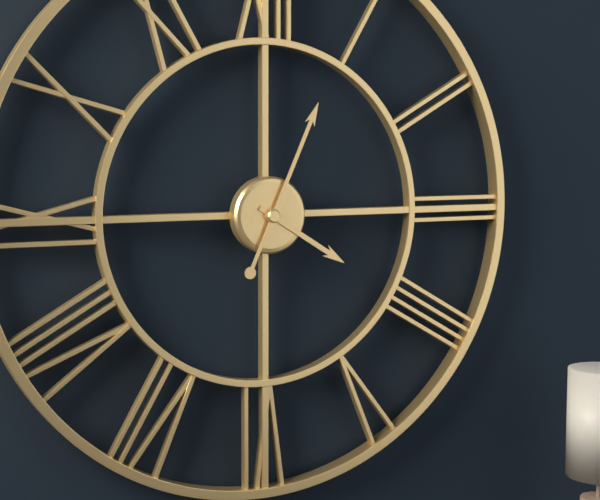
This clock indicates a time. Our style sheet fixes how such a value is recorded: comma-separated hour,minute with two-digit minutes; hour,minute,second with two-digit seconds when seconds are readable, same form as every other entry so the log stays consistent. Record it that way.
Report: 4,04
